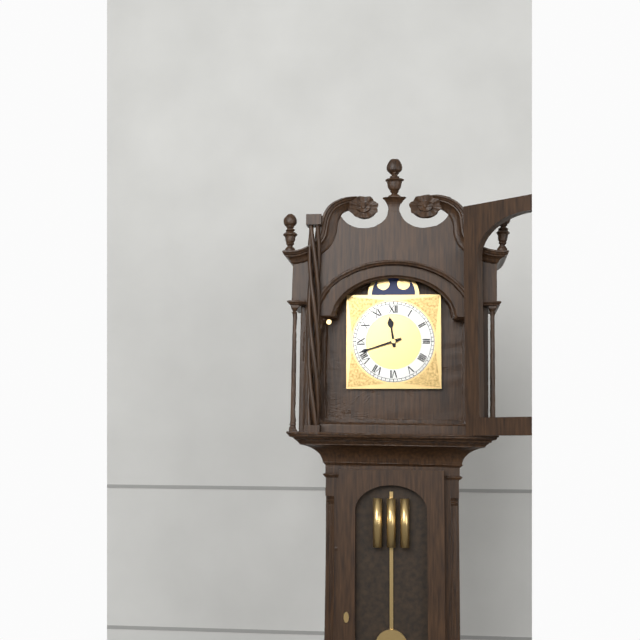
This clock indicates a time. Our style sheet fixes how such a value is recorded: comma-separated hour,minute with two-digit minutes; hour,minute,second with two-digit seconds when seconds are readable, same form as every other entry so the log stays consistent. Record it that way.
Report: 11,42
